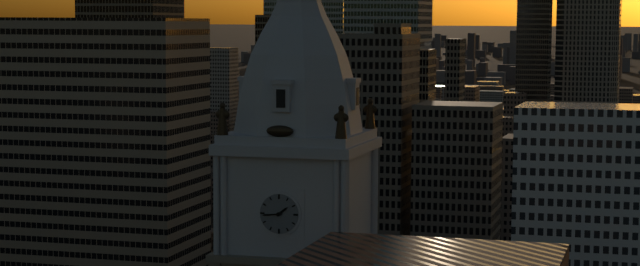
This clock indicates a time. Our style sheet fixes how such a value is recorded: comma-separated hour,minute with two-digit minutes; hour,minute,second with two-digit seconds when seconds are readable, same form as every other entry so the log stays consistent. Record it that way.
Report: 1,44
